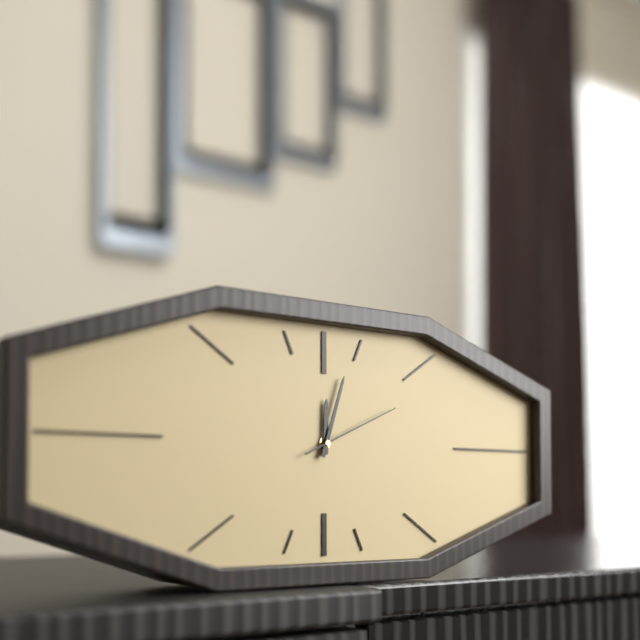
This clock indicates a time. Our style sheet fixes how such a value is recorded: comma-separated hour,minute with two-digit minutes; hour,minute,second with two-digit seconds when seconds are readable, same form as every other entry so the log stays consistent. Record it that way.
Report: 12,03,11
